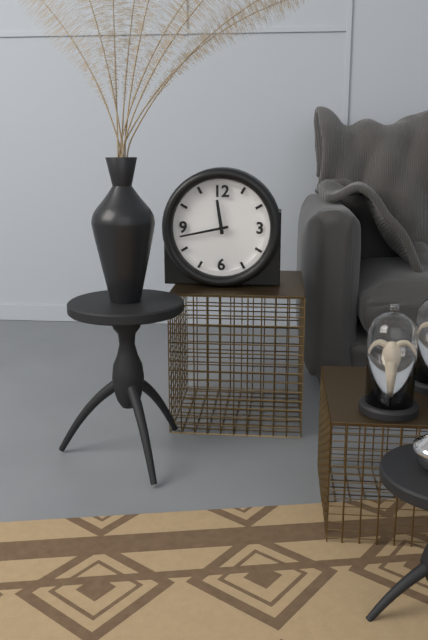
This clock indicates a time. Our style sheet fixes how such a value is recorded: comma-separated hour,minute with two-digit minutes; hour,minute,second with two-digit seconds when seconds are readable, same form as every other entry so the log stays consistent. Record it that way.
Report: 11,43
